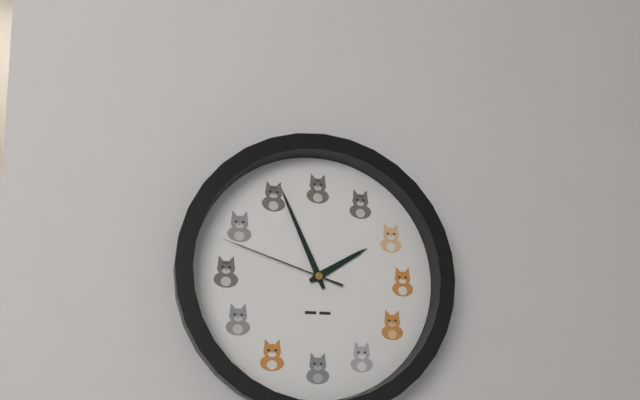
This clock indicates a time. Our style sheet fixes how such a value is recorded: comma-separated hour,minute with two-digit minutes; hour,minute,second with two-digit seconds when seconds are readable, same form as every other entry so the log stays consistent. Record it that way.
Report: 1,56,48
